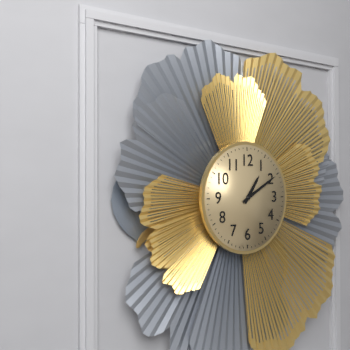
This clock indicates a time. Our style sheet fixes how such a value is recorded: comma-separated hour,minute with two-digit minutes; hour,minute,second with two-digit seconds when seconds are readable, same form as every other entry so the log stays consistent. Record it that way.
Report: 1,10
